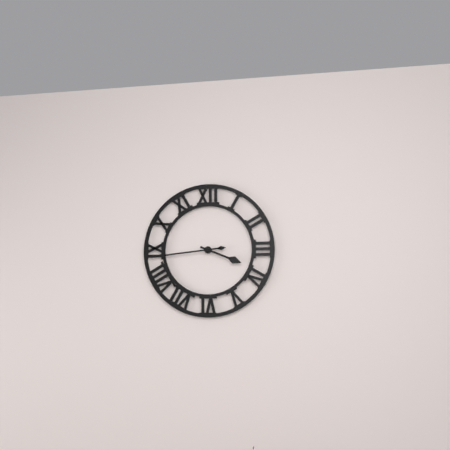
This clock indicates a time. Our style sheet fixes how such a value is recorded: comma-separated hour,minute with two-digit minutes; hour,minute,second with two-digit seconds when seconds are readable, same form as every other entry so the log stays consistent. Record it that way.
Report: 3,44
